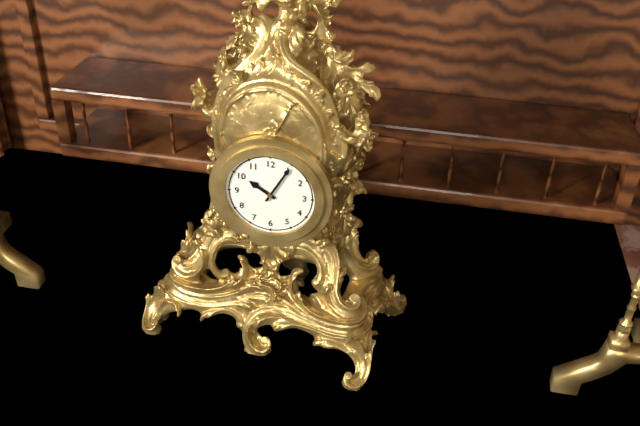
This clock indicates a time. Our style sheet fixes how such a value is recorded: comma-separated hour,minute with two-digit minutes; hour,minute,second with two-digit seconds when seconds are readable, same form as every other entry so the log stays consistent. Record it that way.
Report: 10,05
